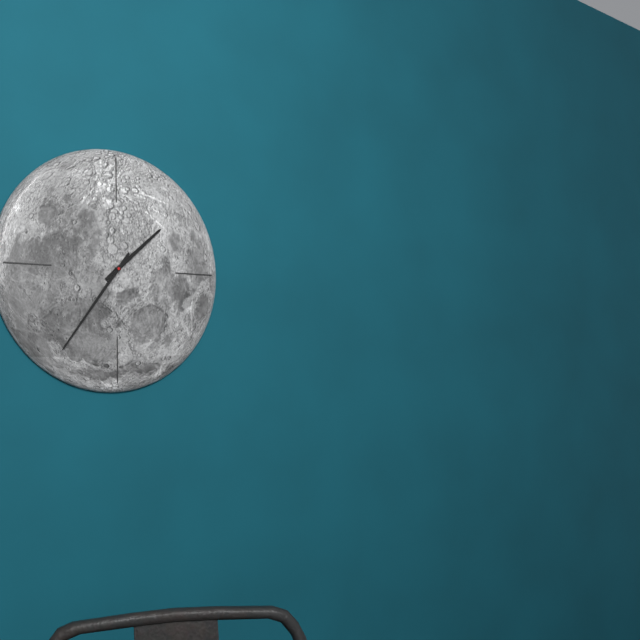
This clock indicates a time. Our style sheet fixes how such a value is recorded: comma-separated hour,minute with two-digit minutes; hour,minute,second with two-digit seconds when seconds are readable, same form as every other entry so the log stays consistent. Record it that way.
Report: 1,36
